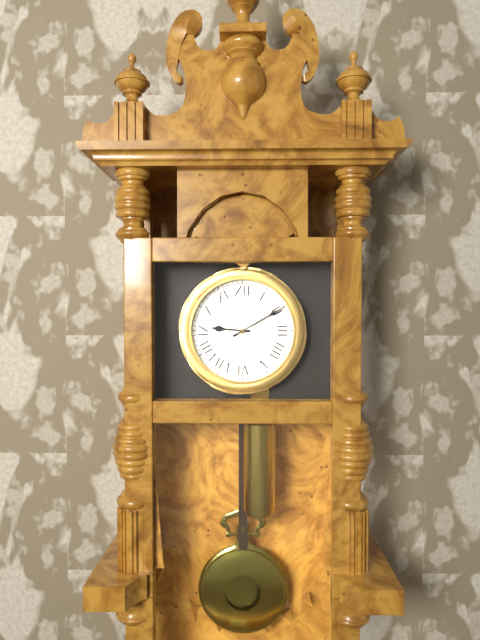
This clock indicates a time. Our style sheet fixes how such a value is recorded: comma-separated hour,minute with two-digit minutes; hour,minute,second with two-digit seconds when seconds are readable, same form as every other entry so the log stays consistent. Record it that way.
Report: 9,10
